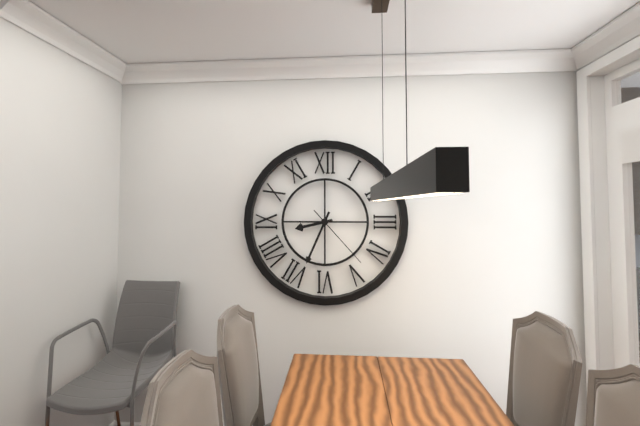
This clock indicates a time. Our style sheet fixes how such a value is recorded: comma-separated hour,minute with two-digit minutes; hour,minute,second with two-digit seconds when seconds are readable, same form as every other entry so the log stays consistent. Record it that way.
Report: 8,34,23
